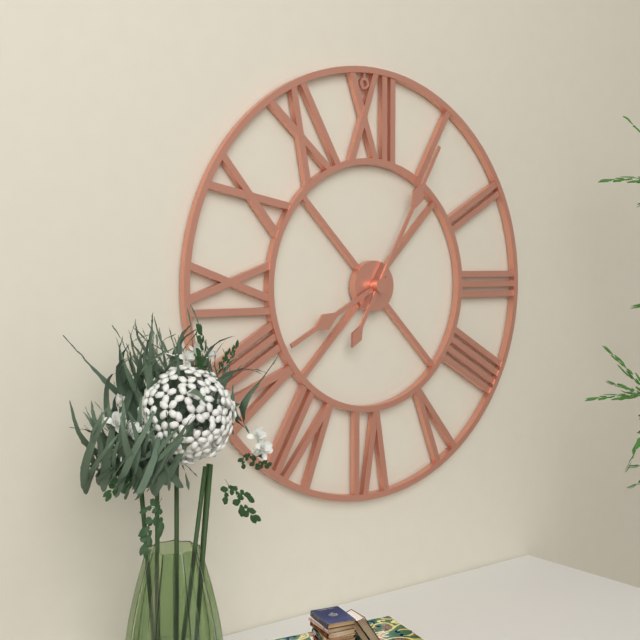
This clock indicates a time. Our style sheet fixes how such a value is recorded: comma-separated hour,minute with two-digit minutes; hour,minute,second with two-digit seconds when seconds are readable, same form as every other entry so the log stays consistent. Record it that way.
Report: 8,05
